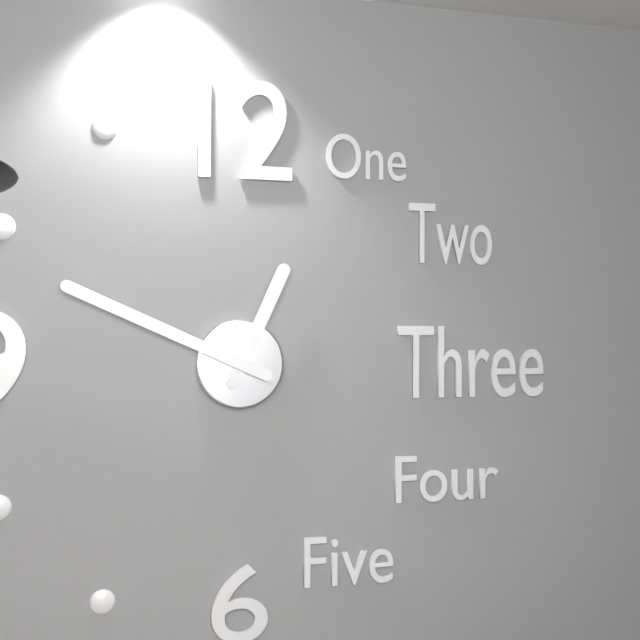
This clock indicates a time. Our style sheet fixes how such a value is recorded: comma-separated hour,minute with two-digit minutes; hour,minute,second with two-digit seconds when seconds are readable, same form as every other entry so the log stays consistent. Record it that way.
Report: 12,49
